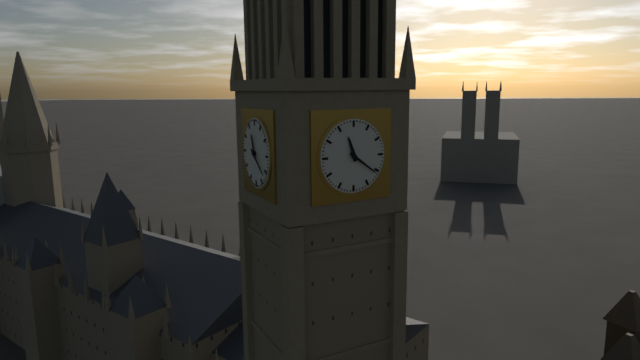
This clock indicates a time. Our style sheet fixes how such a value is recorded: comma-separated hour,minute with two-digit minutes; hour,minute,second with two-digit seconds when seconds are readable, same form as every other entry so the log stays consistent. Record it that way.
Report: 11,21
